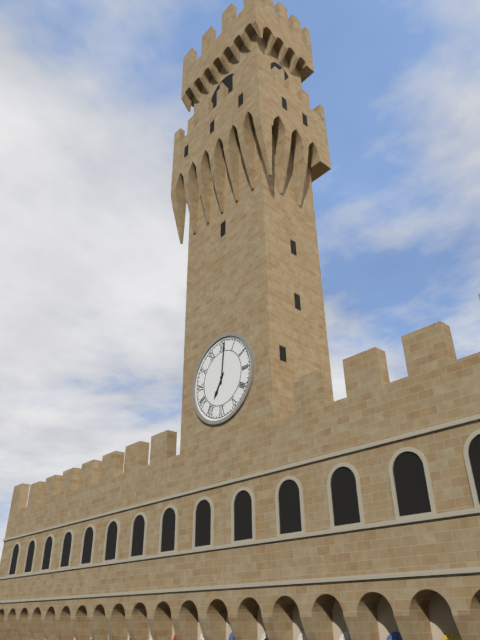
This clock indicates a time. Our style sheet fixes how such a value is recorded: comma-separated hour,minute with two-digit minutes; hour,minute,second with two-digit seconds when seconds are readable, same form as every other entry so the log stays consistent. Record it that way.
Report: 7,01
